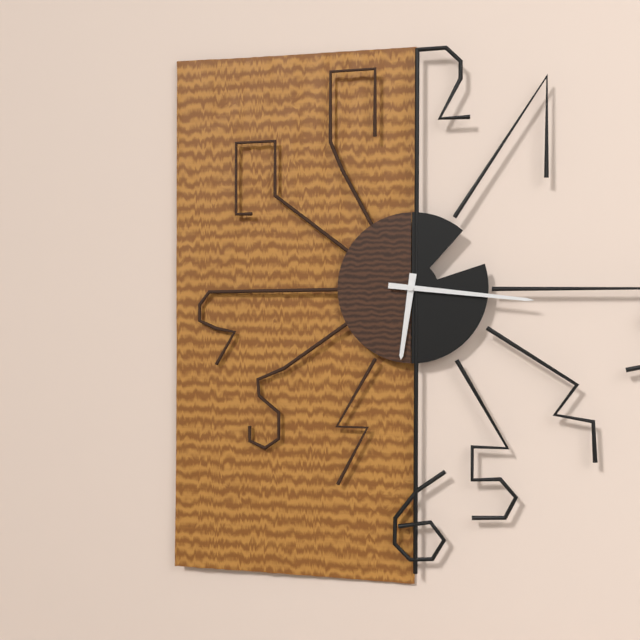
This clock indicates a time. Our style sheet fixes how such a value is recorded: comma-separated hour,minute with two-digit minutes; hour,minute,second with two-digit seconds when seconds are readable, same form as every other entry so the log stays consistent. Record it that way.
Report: 6,16
